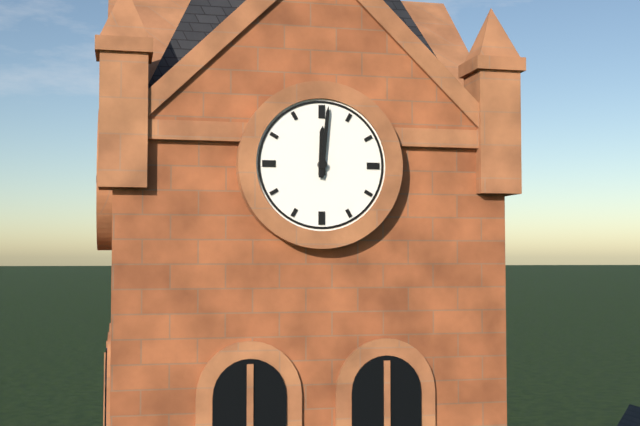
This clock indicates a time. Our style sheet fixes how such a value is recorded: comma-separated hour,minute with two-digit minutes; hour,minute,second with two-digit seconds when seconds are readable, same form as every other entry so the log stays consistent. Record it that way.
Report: 12,01
